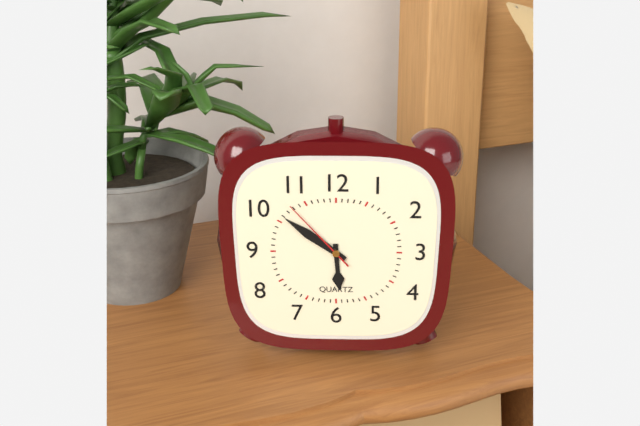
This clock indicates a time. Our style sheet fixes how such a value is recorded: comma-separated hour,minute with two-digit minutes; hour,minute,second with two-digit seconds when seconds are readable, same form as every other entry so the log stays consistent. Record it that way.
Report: 5,51,53
